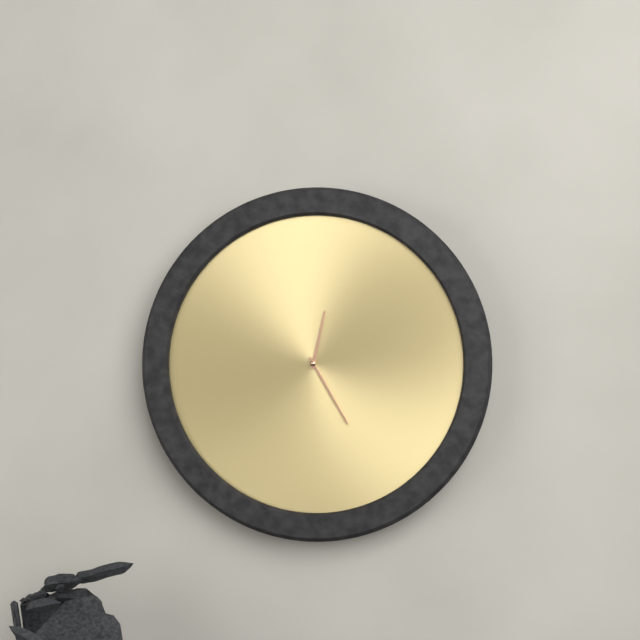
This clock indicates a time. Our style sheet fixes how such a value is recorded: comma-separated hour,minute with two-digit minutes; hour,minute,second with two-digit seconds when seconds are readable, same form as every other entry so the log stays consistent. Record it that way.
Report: 12,25
